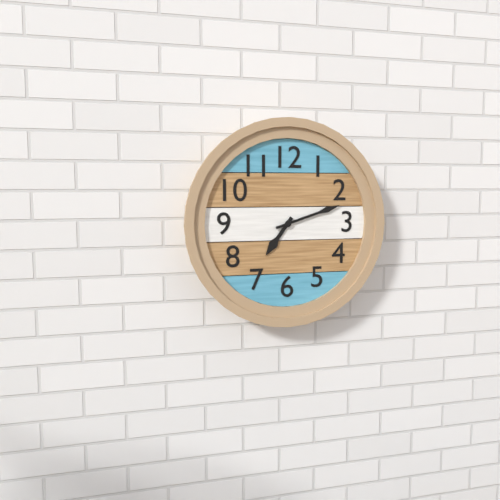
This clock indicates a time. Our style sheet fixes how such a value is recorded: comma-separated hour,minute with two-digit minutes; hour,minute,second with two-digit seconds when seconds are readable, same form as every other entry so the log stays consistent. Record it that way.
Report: 7,12
